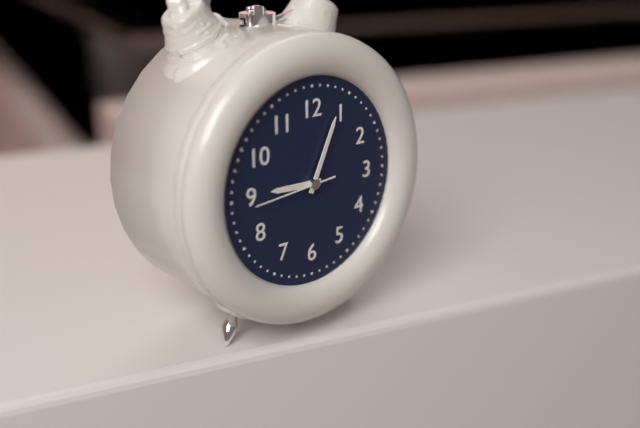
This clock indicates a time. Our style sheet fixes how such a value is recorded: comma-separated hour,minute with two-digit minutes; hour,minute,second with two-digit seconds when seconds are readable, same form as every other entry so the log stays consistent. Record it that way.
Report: 9,04,44
